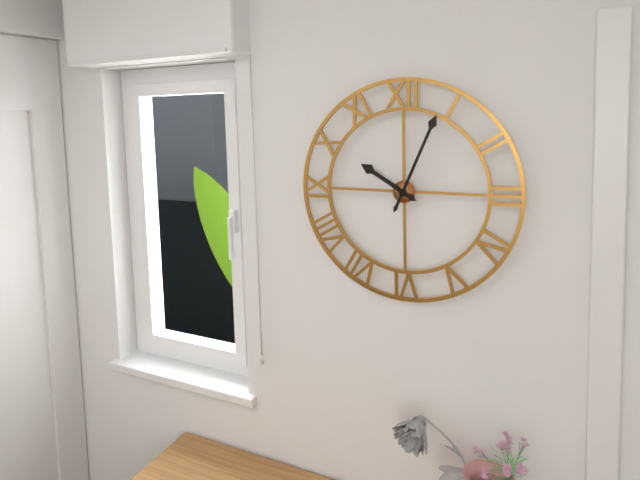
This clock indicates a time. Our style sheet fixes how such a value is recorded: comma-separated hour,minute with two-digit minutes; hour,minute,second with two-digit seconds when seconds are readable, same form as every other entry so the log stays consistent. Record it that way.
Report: 10,04
